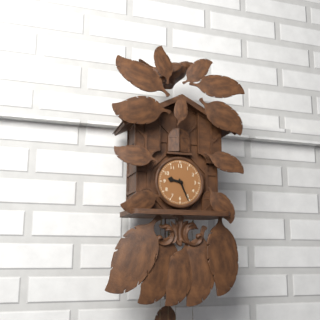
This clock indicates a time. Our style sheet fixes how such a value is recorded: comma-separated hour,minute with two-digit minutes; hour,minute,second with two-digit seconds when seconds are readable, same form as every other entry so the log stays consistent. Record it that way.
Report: 9,26
